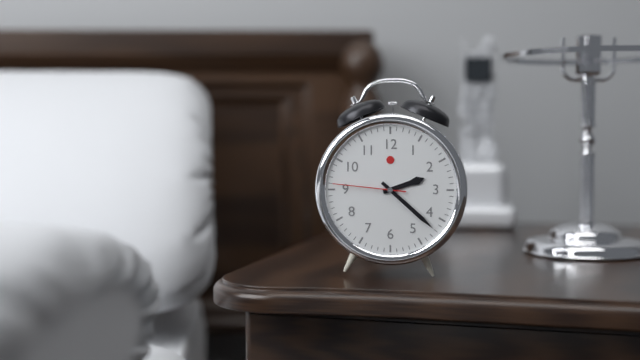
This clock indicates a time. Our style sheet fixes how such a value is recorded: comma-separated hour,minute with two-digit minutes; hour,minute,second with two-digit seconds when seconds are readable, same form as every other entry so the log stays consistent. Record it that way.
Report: 2,22,46
